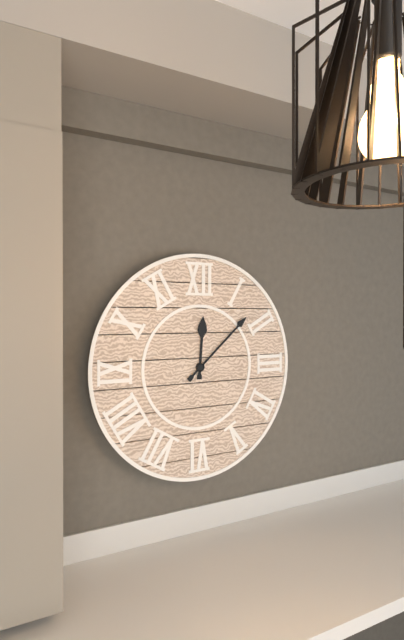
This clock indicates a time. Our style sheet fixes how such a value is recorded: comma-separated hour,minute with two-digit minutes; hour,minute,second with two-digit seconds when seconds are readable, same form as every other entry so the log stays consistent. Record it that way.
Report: 12,08
